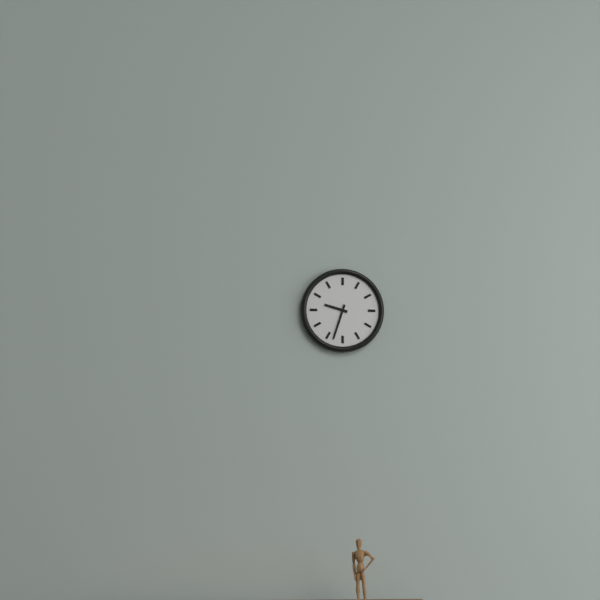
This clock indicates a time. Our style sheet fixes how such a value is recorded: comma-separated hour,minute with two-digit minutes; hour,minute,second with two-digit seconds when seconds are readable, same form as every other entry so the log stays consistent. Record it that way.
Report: 9,33
